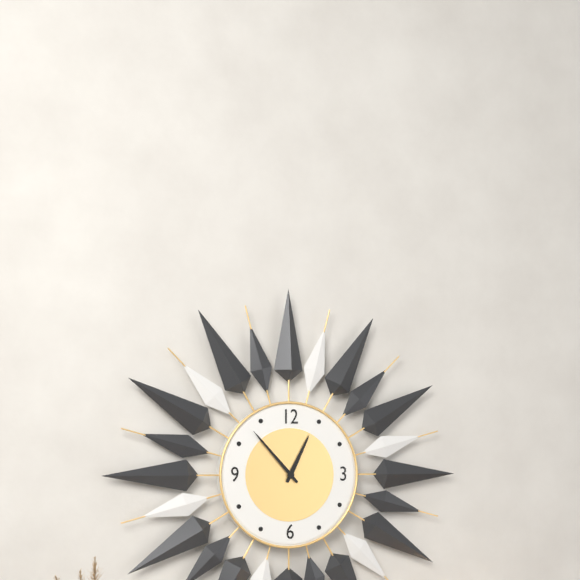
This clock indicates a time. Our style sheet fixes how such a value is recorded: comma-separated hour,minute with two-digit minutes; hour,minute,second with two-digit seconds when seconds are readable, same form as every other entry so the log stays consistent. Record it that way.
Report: 12,53
